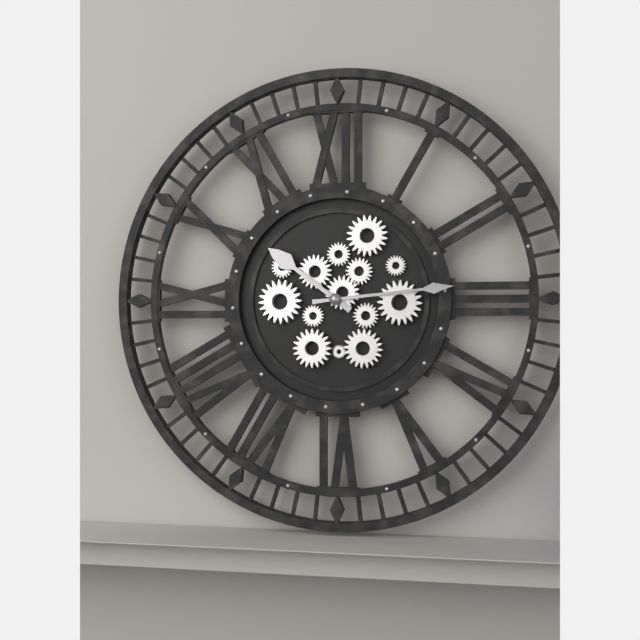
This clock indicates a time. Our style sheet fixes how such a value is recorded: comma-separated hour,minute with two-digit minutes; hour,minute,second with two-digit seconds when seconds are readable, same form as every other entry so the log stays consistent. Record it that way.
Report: 10,14
